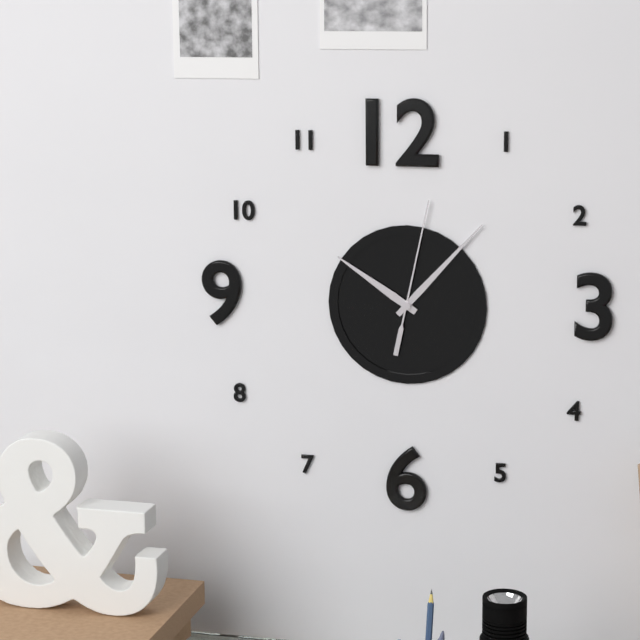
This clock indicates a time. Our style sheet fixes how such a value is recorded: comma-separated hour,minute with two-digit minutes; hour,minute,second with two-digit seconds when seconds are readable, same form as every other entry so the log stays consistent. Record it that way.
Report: 10,07,02
